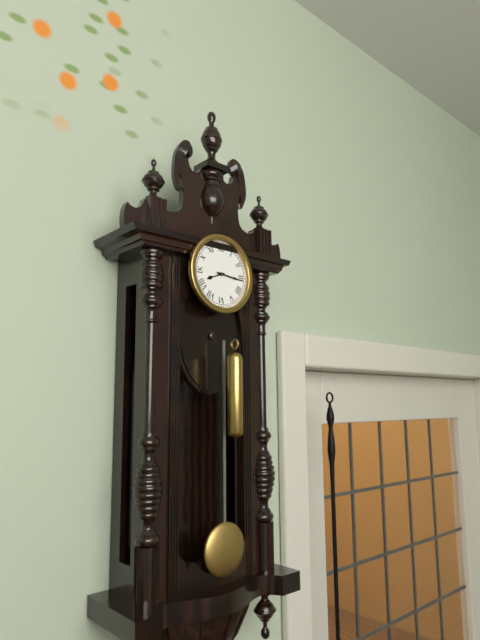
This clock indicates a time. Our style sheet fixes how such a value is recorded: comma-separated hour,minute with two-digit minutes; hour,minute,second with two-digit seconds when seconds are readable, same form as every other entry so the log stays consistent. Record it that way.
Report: 8,16
